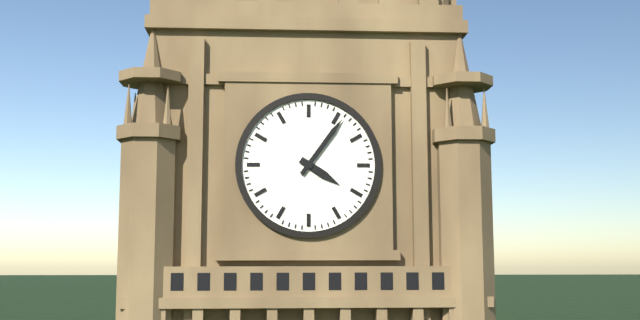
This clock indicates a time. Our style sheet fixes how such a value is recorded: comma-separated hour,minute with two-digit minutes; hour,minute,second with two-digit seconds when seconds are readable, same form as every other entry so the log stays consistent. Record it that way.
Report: 4,06
